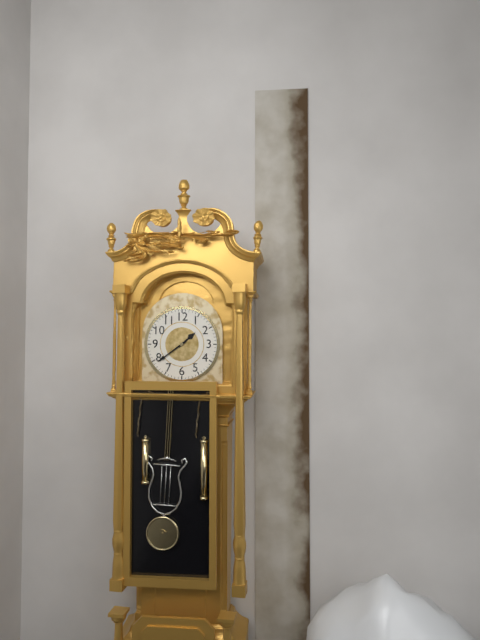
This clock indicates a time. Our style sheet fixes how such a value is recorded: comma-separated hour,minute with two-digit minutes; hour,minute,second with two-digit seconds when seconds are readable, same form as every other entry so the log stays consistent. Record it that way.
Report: 1,39
